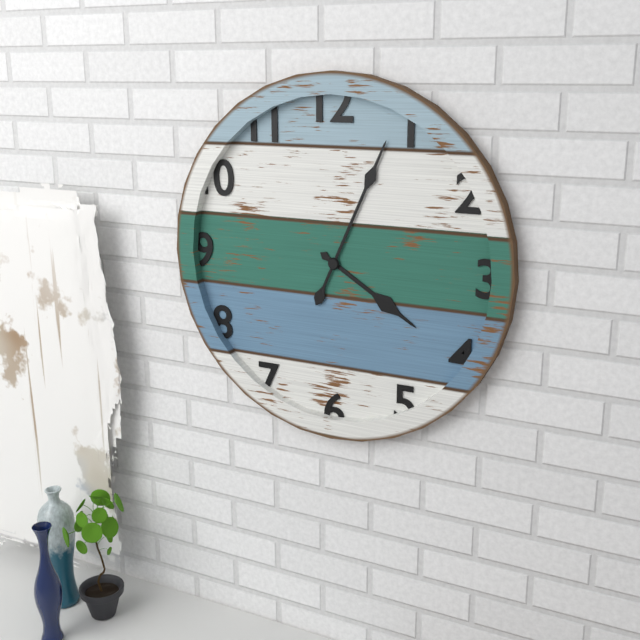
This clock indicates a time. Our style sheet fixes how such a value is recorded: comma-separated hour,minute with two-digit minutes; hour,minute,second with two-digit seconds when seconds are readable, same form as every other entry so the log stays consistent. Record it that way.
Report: 4,04
